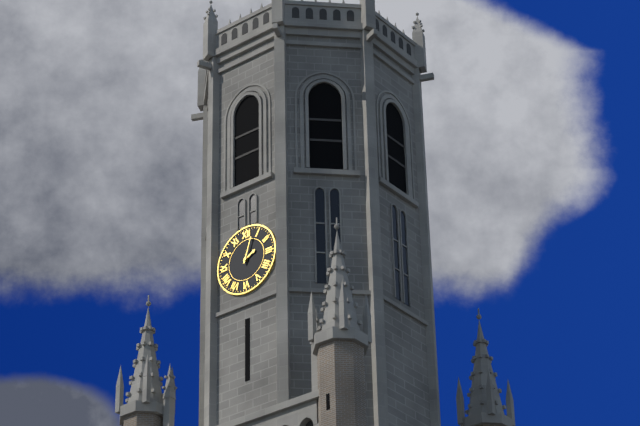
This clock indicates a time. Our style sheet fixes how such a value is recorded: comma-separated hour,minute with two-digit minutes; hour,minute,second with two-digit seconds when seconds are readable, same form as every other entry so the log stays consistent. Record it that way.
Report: 2,03
